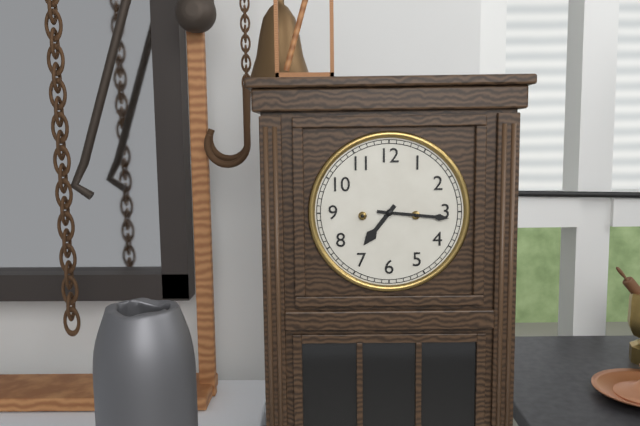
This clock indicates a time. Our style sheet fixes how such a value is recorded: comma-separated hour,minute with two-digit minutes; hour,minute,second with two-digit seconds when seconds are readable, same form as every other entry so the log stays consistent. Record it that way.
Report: 7,16
